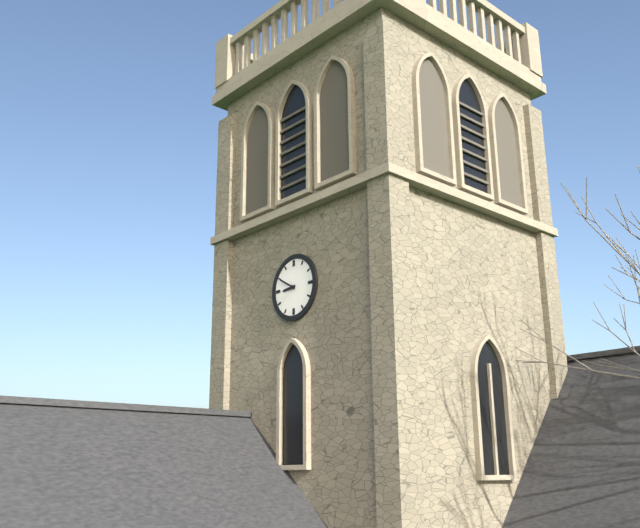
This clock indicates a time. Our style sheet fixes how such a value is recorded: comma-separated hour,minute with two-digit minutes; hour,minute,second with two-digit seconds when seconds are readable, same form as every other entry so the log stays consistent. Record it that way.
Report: 8,50
